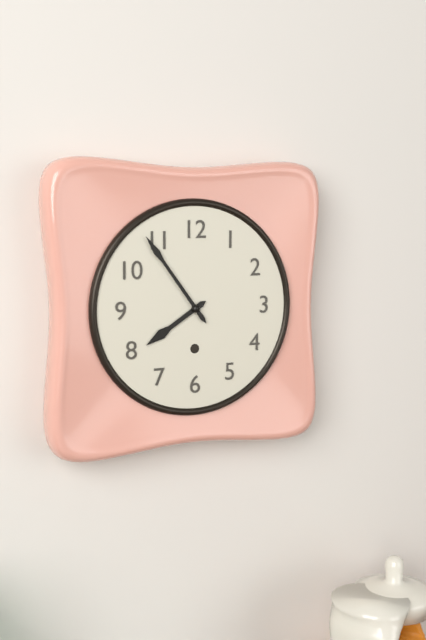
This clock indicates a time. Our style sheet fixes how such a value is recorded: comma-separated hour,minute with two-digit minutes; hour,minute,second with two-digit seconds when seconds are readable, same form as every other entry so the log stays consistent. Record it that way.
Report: 7,54
